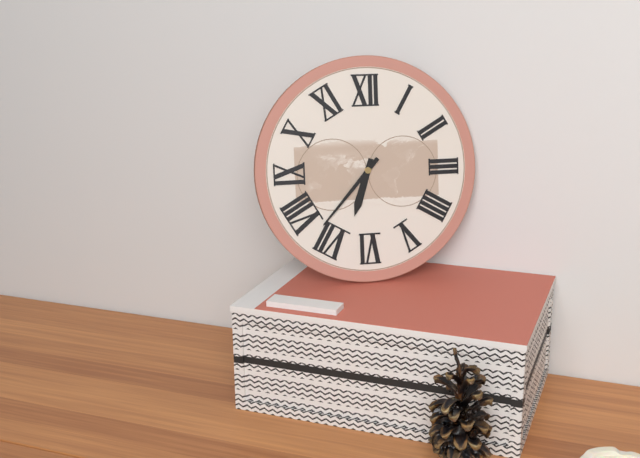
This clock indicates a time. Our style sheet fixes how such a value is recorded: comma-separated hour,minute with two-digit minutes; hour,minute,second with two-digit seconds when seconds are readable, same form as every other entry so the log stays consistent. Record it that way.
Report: 6,37
